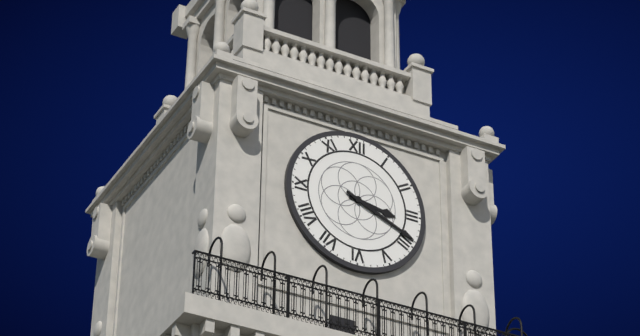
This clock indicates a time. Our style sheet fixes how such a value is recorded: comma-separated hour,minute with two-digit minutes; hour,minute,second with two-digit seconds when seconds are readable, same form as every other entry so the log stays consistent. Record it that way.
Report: 3,19
